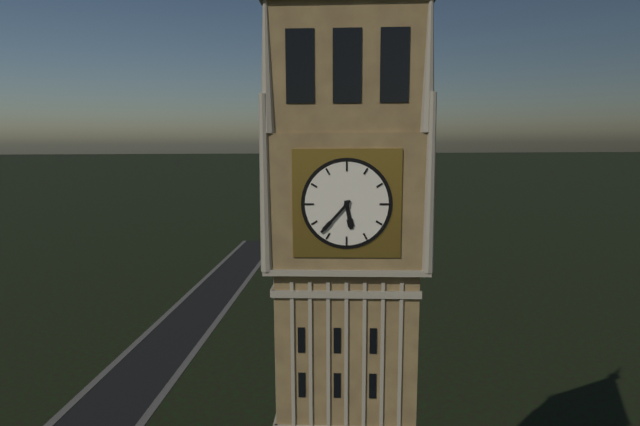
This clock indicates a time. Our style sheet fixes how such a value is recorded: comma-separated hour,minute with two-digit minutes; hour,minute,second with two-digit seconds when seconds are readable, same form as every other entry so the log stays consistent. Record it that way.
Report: 5,37
